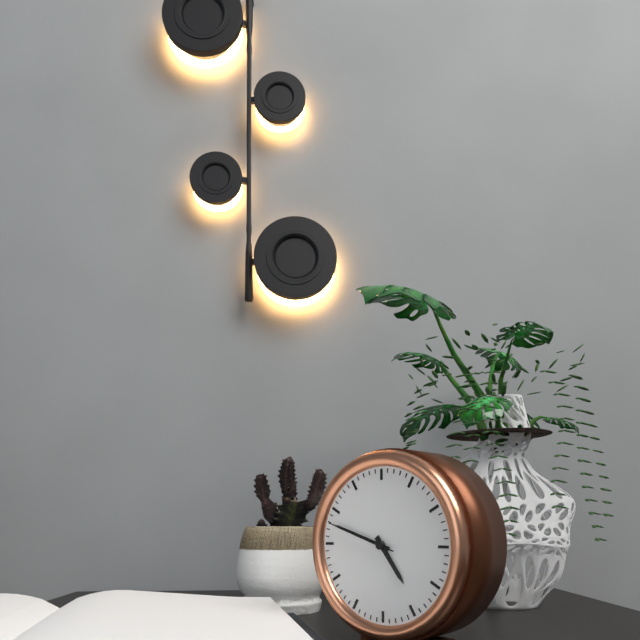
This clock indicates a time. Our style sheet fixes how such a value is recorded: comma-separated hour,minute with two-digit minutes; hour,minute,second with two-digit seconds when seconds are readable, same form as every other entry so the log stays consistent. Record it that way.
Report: 4,48,48
